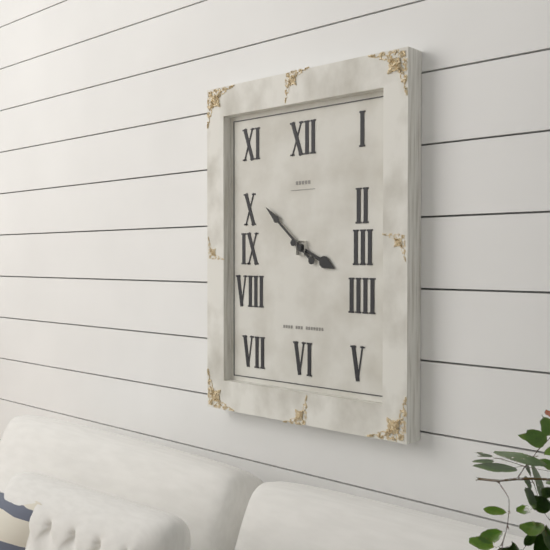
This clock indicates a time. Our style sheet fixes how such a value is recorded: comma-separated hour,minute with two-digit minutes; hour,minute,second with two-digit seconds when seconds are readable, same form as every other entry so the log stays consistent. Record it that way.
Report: 3,52
